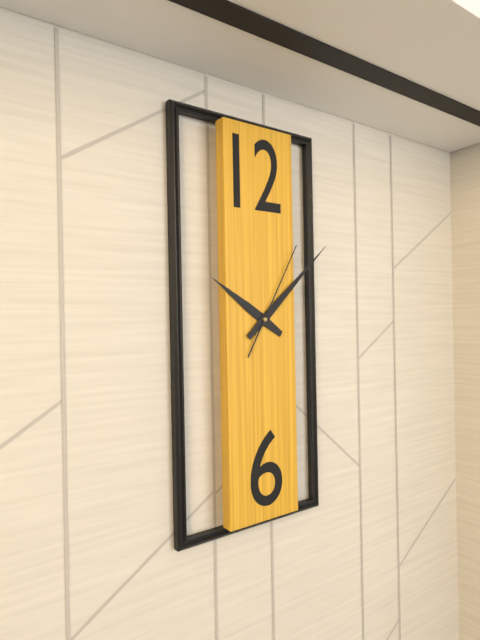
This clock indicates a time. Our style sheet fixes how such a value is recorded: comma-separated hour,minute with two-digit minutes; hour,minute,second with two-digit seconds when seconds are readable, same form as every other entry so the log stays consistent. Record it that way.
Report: 10,08,05
